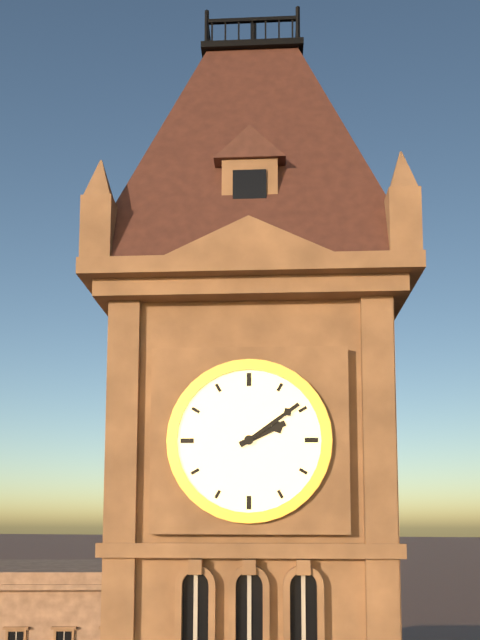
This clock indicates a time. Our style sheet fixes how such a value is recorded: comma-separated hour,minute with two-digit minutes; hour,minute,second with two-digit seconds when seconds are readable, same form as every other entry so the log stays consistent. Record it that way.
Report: 2,09
